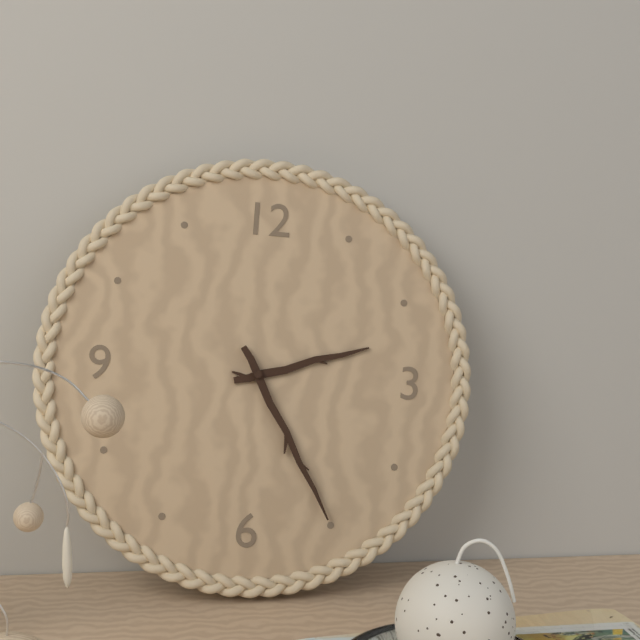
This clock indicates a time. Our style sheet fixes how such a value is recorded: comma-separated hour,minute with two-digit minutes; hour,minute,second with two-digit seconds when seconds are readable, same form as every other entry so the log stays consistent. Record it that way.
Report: 2,25
